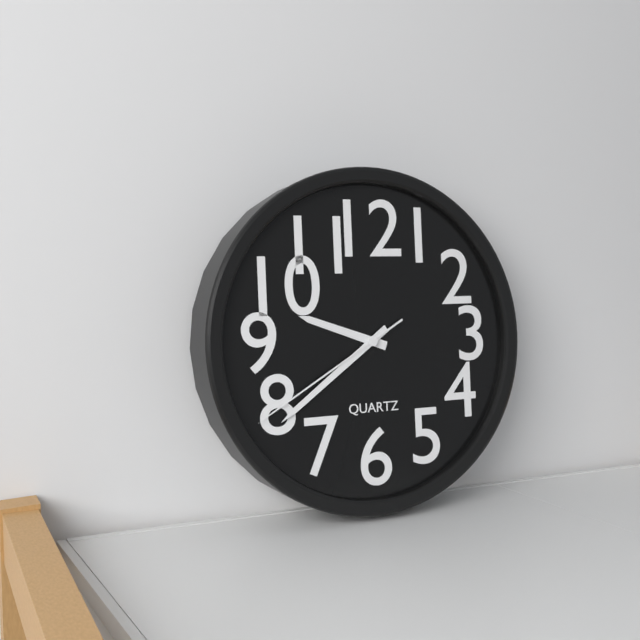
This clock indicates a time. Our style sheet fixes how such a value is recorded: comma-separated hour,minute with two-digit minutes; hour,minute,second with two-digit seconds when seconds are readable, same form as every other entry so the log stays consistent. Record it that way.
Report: 9,39,40
